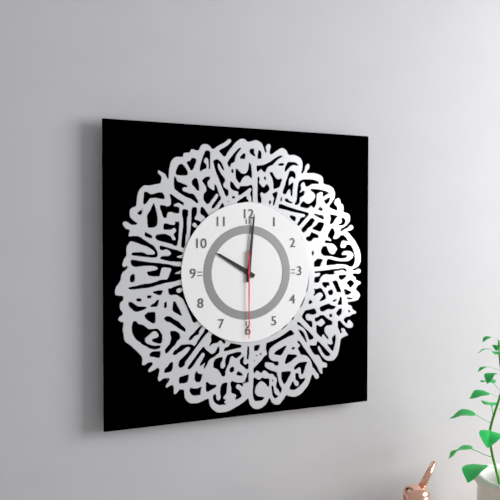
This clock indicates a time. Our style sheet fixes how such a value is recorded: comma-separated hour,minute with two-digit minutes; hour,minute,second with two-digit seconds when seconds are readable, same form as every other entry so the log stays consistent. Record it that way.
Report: 10,01,30
